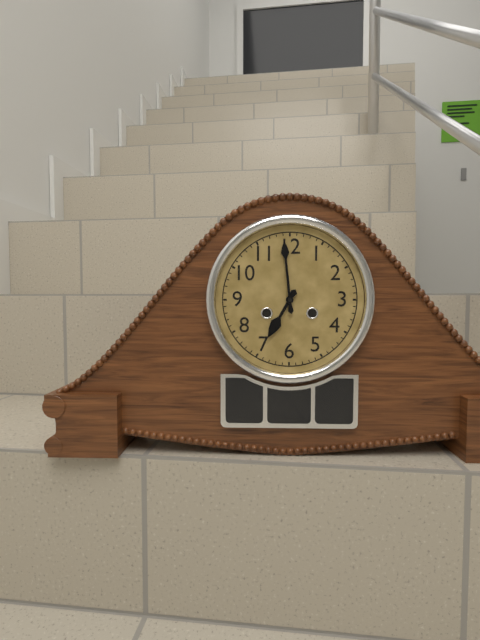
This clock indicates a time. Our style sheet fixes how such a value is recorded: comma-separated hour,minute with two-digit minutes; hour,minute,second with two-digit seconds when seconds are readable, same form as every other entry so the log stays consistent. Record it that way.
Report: 6,59
